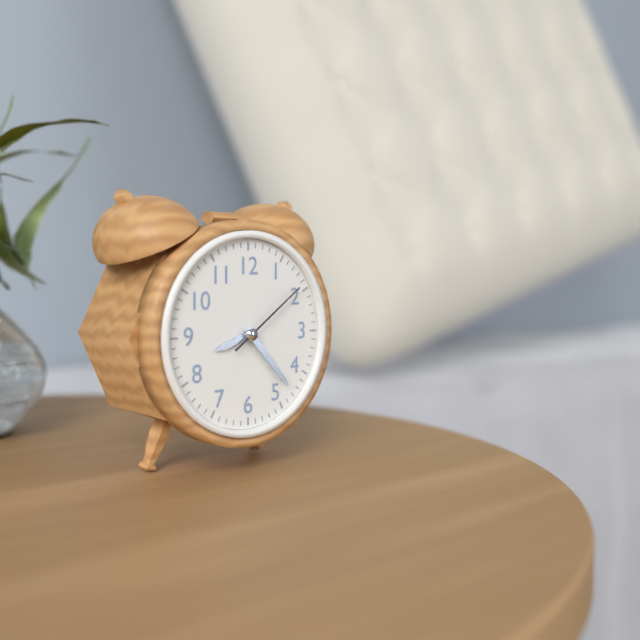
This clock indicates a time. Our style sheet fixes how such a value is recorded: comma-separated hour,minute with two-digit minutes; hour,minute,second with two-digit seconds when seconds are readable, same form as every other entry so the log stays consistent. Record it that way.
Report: 8,23,09
